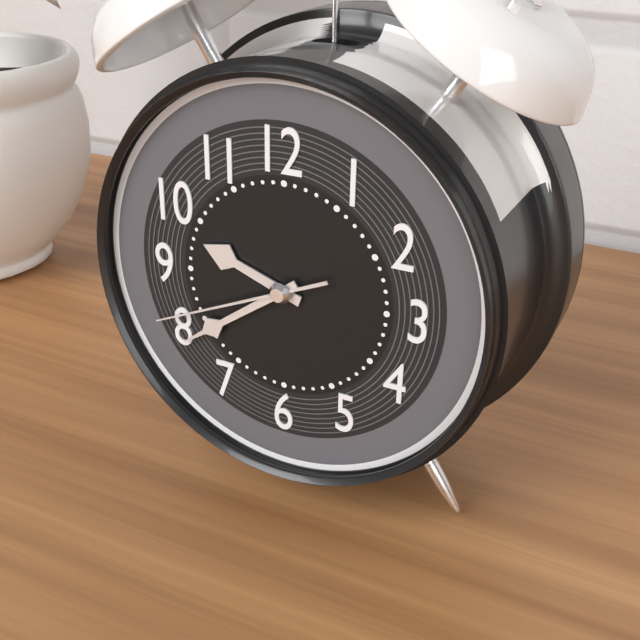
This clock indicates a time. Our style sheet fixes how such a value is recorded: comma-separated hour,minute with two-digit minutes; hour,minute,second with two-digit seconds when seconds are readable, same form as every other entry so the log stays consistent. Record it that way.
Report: 9,39,41
